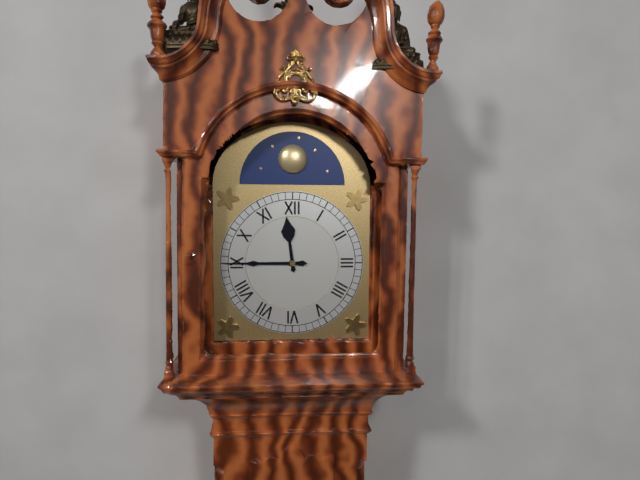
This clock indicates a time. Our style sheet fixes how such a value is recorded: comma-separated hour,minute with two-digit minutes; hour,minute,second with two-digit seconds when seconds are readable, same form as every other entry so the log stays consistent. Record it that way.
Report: 11,45
